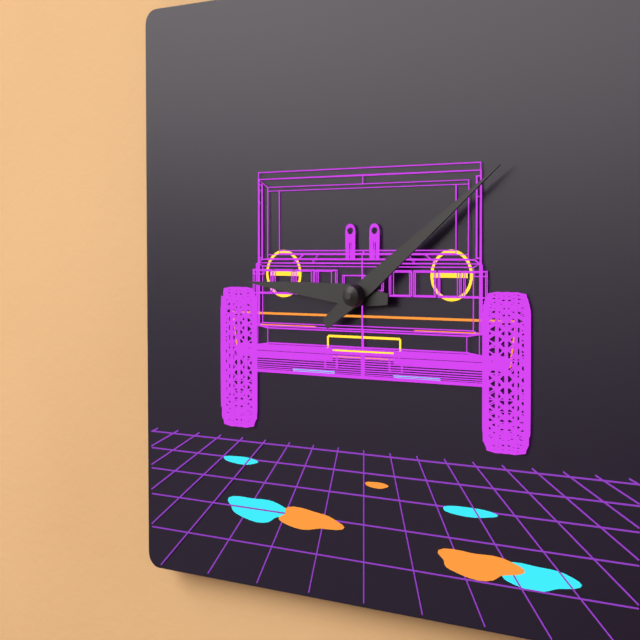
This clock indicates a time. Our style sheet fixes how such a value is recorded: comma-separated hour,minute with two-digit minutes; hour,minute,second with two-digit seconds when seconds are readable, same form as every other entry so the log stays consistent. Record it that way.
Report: 9,09
